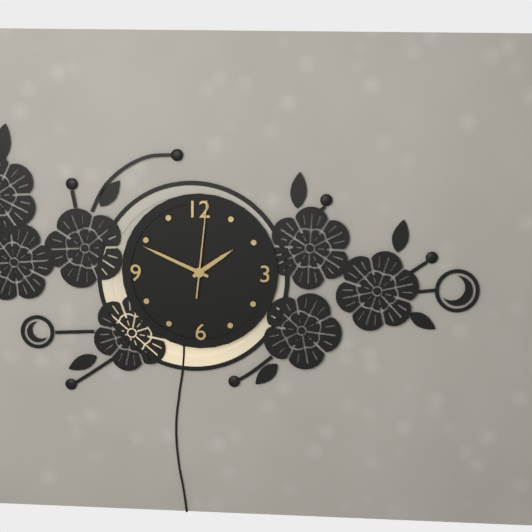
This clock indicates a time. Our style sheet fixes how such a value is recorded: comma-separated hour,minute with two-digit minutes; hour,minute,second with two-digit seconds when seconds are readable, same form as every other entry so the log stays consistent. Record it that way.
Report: 1,49,01
